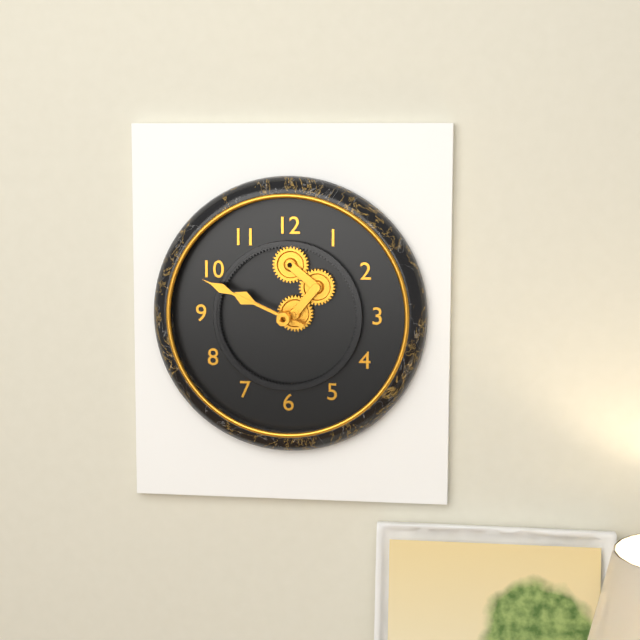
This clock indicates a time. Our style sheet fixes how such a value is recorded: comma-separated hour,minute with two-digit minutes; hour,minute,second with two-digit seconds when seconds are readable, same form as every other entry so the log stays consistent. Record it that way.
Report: 9,49
